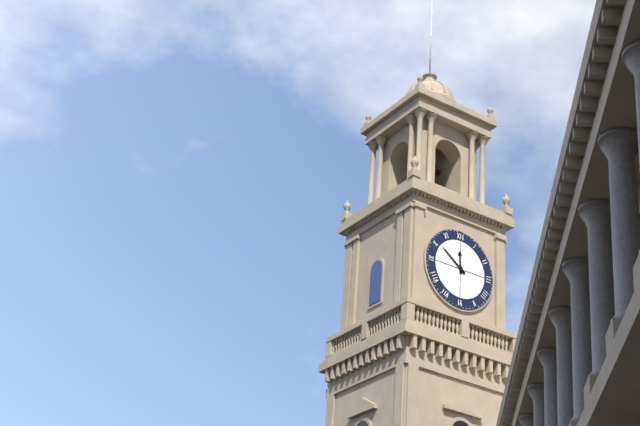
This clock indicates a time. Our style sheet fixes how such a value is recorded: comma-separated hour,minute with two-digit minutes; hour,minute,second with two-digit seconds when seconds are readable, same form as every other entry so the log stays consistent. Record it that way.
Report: 11,51
